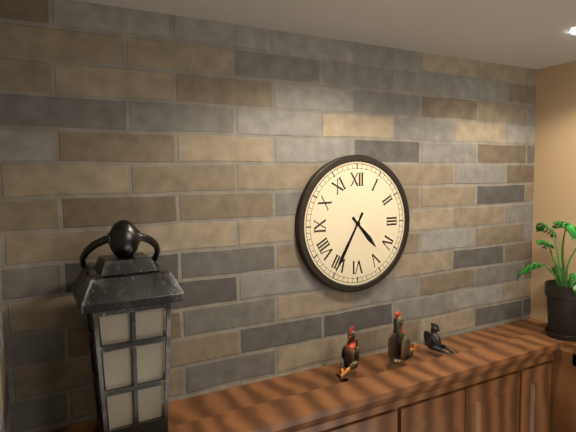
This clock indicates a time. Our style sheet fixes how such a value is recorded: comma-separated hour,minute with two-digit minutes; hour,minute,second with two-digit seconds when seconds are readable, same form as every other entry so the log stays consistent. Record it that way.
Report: 4,35
